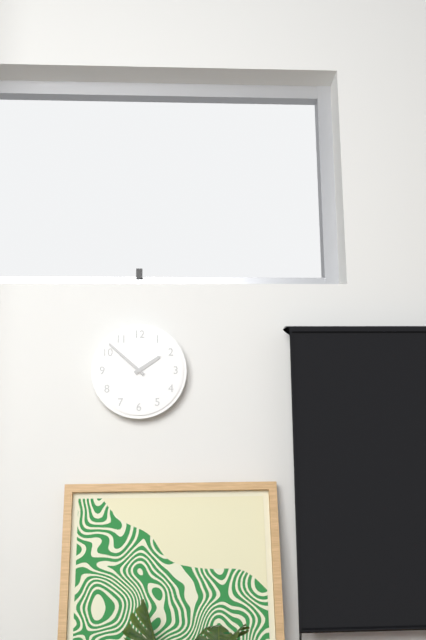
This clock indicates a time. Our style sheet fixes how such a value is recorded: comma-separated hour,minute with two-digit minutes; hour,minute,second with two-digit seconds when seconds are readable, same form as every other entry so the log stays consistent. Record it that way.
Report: 1,52
